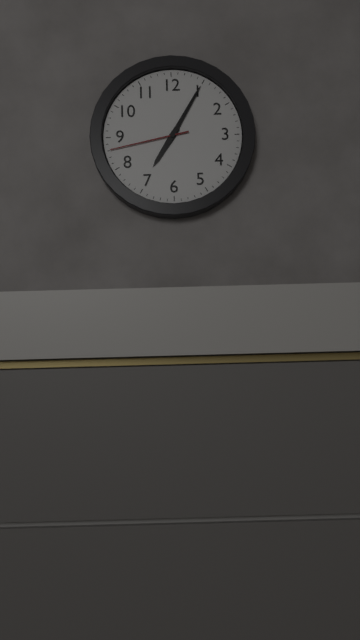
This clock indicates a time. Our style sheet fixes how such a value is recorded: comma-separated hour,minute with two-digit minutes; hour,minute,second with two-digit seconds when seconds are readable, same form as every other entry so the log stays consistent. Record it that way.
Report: 7,05,43
